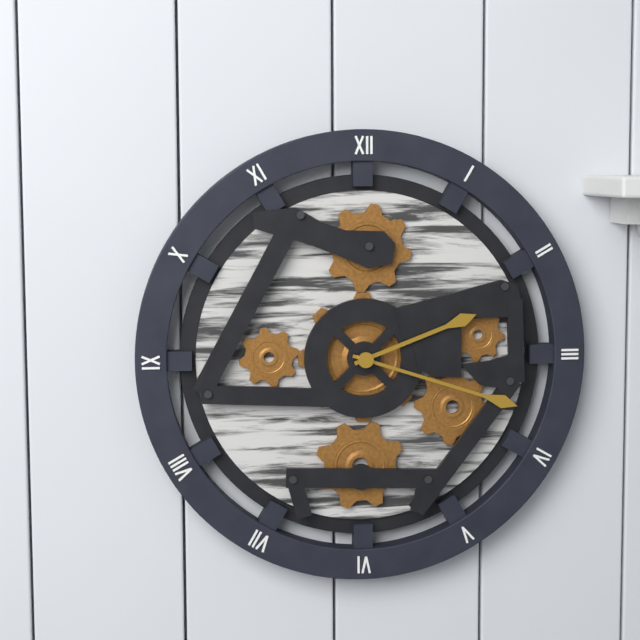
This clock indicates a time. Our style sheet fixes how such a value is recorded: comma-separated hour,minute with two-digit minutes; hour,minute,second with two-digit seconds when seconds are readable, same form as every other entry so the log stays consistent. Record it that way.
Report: 2,18
